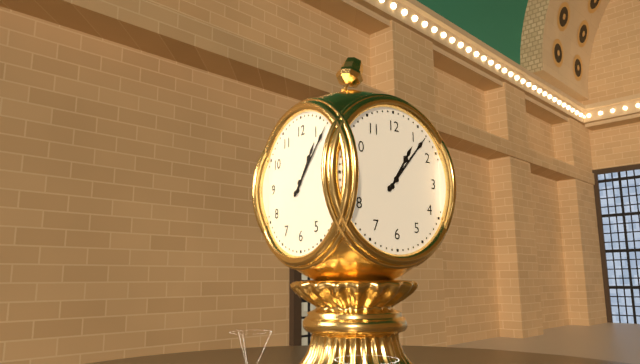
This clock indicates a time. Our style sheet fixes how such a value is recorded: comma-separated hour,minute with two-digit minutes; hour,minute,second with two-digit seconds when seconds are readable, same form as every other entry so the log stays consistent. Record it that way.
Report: 1,07
